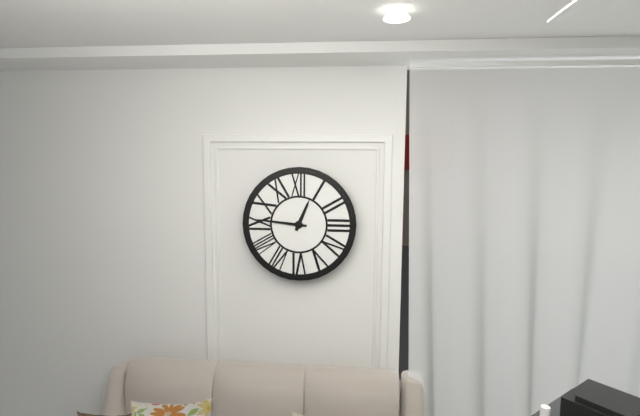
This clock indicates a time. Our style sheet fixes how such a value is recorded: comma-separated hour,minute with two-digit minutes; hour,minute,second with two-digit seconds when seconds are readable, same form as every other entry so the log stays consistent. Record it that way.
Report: 12,46
